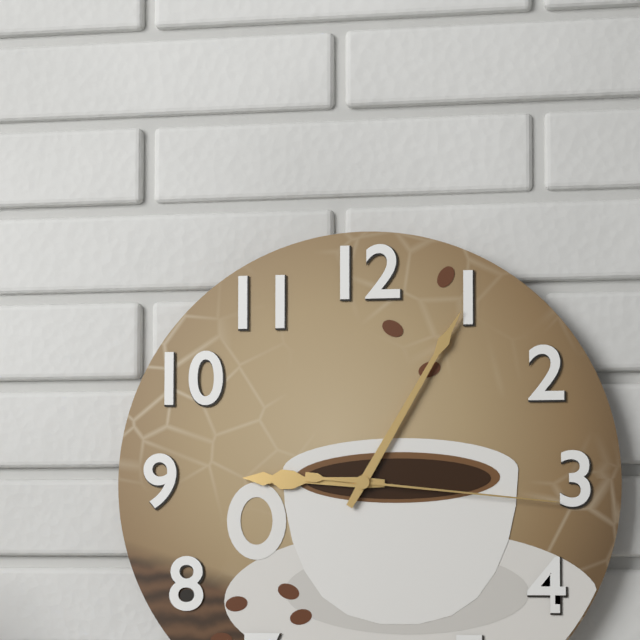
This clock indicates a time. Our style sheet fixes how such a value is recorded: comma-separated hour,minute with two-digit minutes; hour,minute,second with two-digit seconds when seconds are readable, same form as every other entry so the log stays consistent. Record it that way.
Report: 9,05,16
